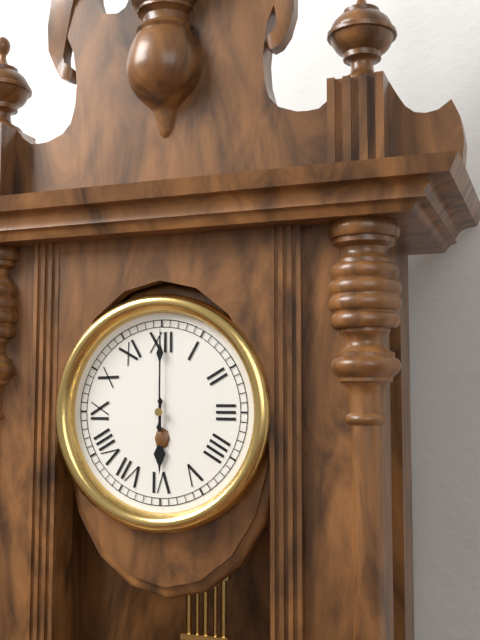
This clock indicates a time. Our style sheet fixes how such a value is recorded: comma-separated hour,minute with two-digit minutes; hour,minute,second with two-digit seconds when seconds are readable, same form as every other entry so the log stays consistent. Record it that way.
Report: 6,00
